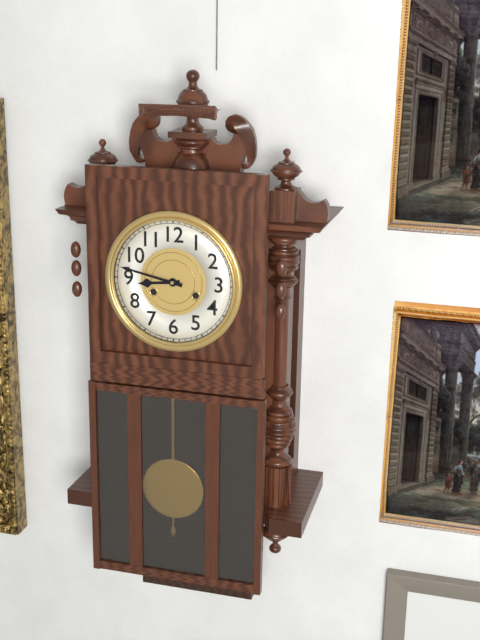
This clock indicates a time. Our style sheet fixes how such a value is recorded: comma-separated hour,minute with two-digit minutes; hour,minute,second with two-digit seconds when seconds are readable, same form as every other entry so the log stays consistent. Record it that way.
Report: 8,47
